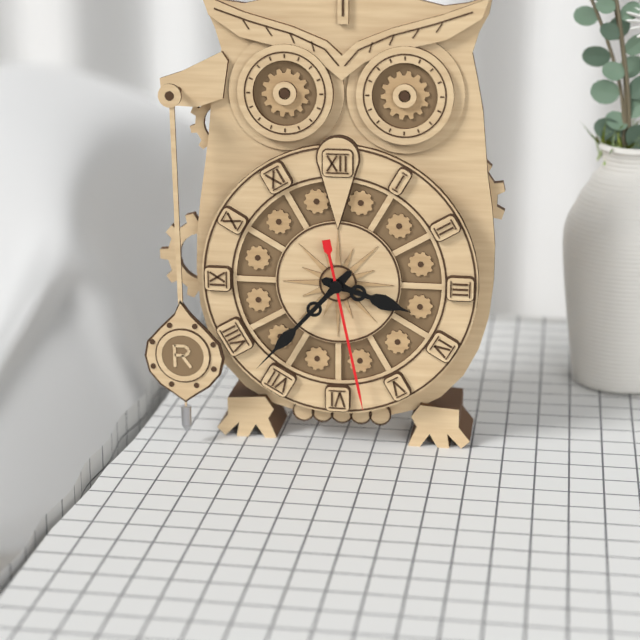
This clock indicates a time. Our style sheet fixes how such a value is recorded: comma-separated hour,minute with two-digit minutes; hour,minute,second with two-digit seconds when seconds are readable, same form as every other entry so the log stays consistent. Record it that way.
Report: 3,37,28
